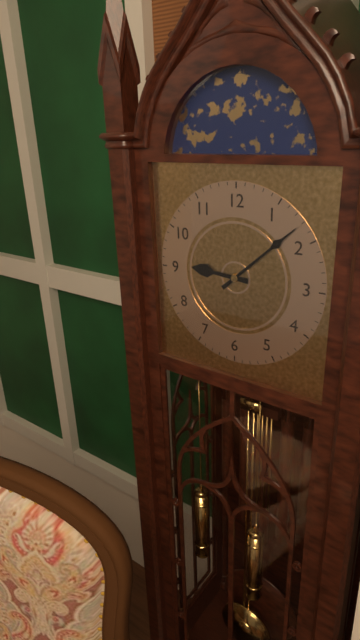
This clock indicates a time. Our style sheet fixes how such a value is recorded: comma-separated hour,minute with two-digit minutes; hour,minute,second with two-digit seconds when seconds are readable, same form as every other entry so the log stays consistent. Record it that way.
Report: 9,08
